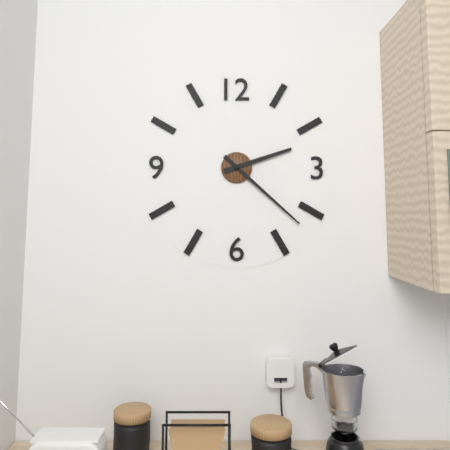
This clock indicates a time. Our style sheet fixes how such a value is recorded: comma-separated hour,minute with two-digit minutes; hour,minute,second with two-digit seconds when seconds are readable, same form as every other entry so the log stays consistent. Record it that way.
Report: 2,22
